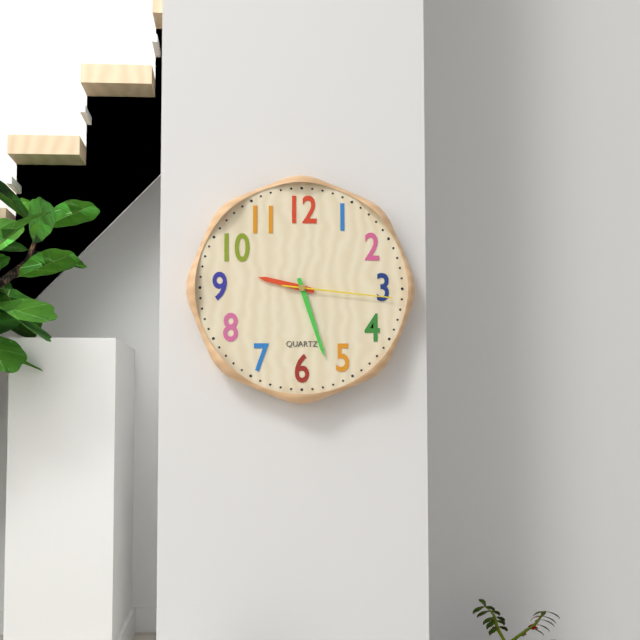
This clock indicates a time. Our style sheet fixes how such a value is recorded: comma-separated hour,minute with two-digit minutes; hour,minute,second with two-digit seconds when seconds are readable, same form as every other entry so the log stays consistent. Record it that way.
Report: 9,27,16
